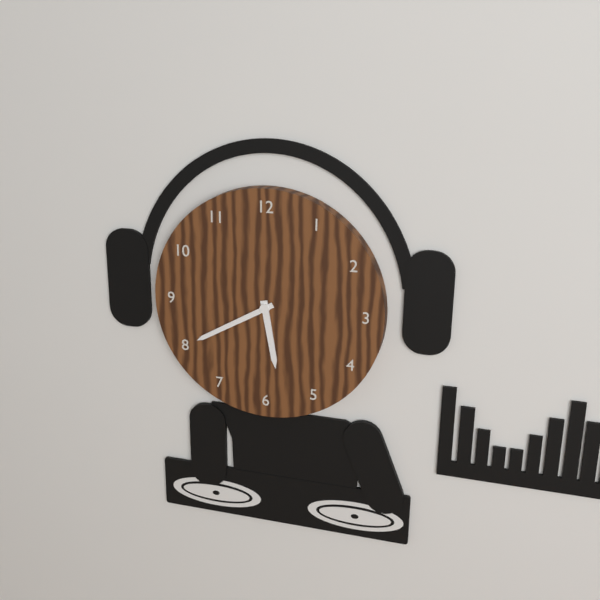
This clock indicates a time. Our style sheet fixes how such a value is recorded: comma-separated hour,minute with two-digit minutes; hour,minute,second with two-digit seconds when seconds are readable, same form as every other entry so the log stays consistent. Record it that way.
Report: 5,40
